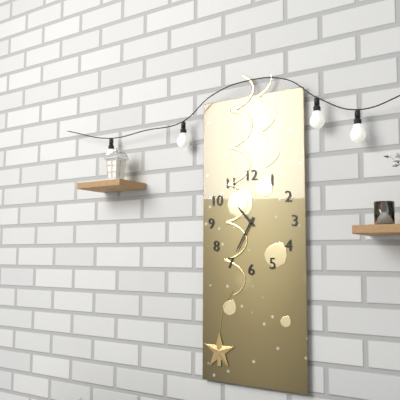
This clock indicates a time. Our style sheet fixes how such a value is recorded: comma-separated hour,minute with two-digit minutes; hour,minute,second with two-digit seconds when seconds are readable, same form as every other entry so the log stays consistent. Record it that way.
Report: 10,35
